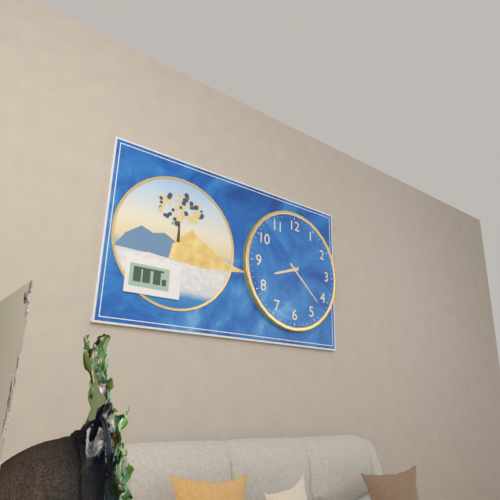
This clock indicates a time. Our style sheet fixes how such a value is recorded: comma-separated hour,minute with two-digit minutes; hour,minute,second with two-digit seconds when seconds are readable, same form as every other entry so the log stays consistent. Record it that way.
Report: 8,22
